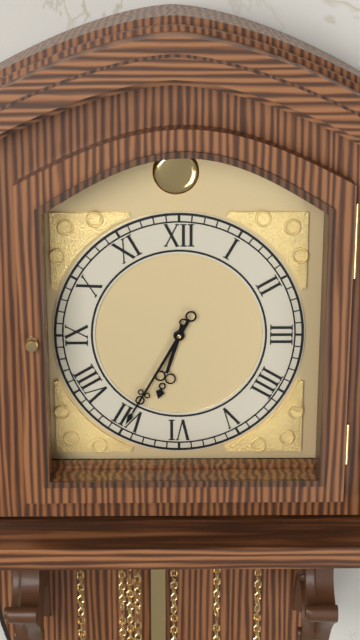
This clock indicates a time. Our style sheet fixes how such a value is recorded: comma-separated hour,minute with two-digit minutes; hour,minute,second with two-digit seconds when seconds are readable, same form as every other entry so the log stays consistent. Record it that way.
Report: 6,35
